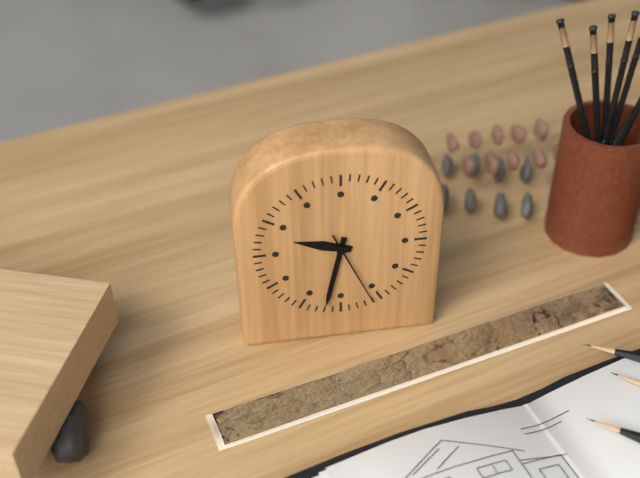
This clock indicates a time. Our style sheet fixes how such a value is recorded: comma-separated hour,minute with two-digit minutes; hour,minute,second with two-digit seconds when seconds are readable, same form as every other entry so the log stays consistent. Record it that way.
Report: 9,32,26
